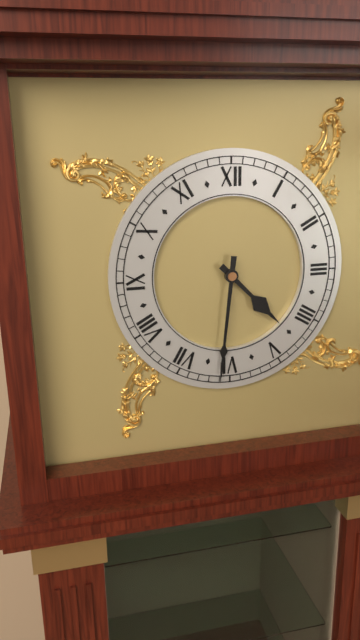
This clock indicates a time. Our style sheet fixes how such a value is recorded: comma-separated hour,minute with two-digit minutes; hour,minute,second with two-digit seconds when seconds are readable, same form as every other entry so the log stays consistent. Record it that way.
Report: 4,31
